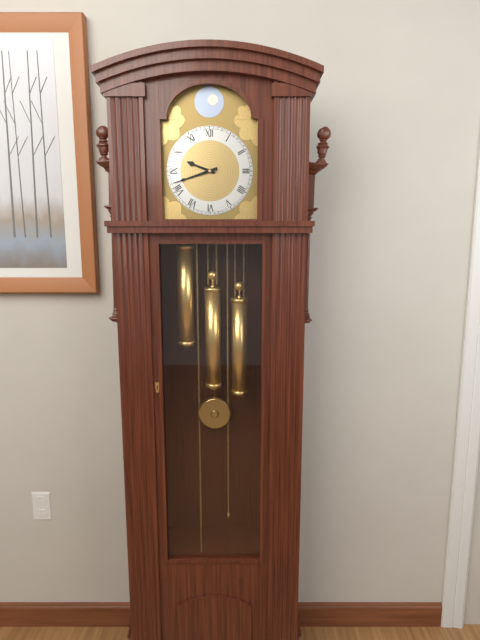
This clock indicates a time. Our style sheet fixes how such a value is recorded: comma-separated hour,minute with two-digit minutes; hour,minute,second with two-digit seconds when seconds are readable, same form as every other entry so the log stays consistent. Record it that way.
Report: 9,42
